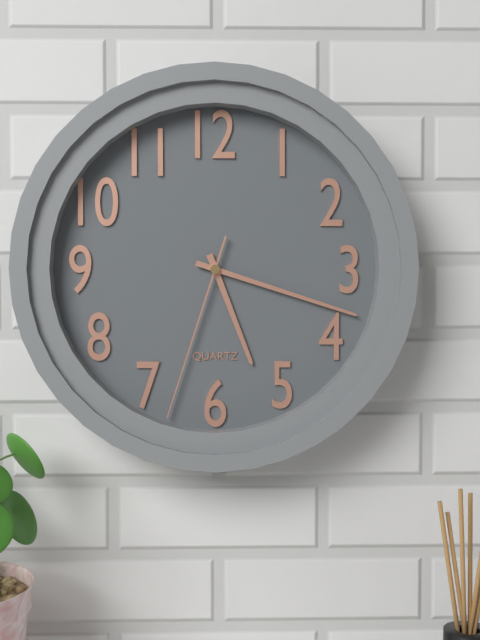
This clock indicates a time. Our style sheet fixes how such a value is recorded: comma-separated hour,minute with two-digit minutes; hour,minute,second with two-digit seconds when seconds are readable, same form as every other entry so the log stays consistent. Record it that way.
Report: 5,18,33
